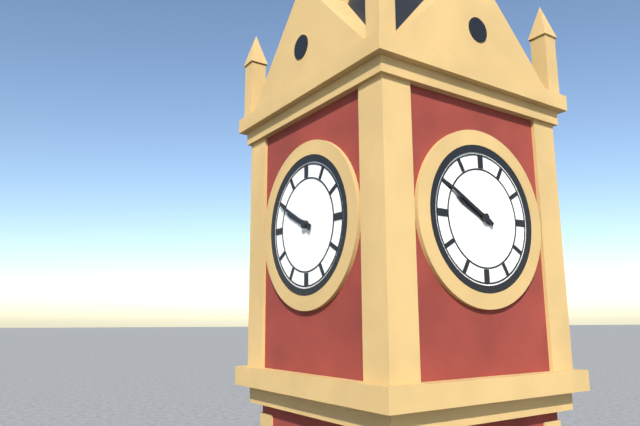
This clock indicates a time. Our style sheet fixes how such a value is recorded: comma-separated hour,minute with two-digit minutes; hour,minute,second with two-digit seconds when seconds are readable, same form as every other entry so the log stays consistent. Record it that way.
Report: 9,50
